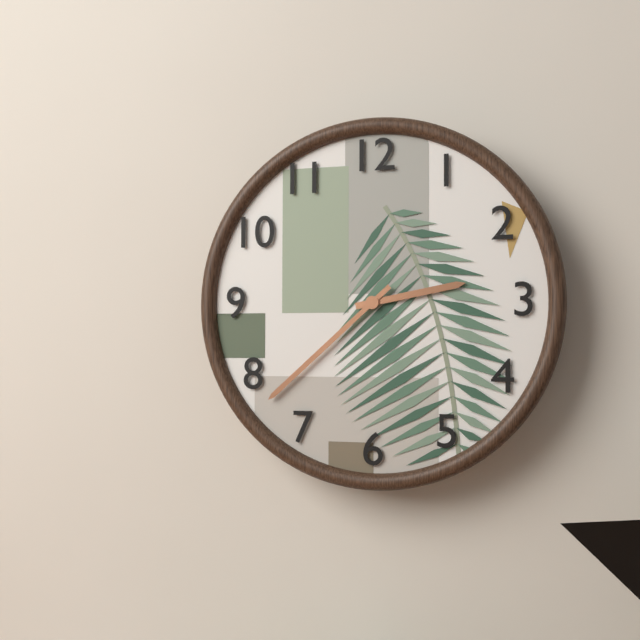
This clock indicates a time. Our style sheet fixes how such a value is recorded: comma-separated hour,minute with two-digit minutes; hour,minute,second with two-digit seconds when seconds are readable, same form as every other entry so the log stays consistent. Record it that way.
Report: 2,38
